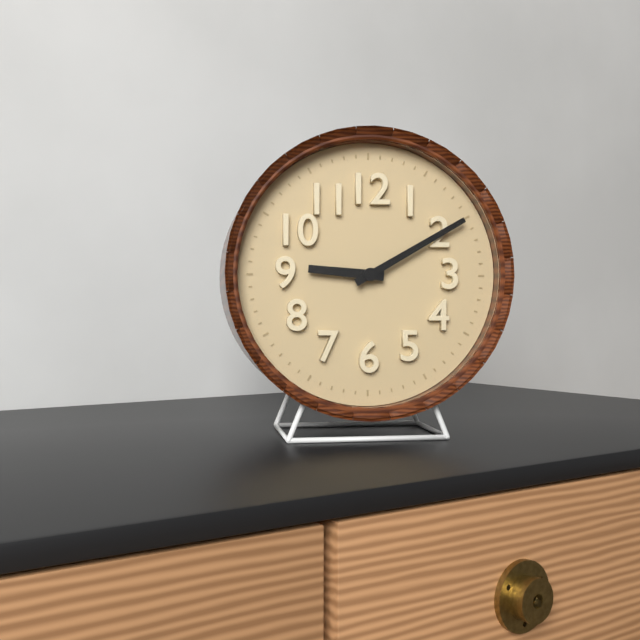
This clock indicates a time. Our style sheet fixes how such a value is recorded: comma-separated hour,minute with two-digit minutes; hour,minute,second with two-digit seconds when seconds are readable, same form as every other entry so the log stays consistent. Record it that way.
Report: 9,10
